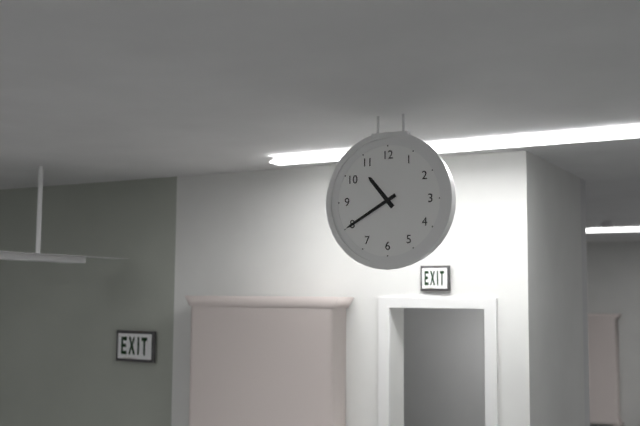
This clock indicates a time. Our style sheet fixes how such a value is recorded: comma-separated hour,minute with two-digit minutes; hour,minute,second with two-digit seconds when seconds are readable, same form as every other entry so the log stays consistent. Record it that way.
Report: 10,40
